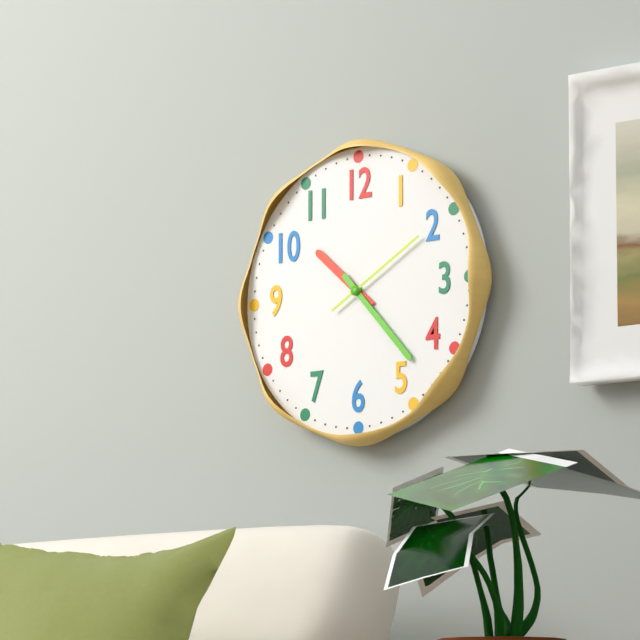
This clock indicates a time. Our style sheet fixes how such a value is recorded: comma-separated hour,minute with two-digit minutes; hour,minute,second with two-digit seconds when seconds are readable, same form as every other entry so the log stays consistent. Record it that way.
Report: 10,23,10
